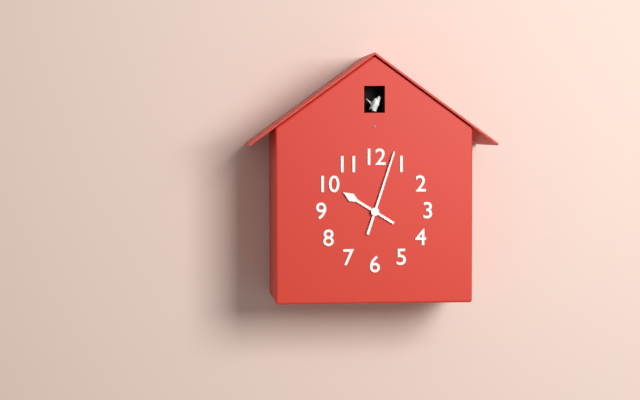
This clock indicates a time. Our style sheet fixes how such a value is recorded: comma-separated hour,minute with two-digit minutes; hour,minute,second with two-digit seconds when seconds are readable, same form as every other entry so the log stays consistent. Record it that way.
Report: 10,03
